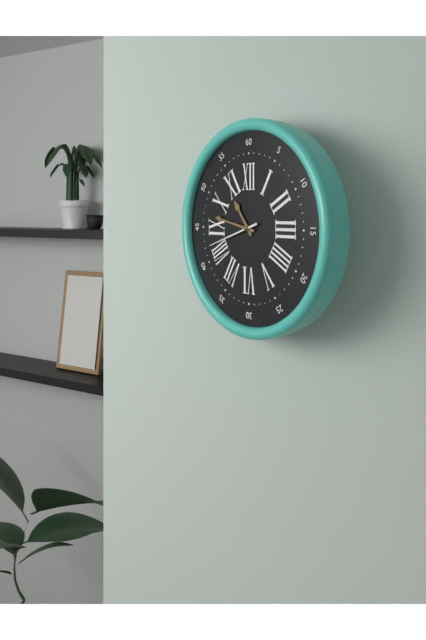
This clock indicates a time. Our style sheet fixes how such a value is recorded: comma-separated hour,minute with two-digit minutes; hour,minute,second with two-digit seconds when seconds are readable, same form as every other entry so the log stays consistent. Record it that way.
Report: 10,47,42
